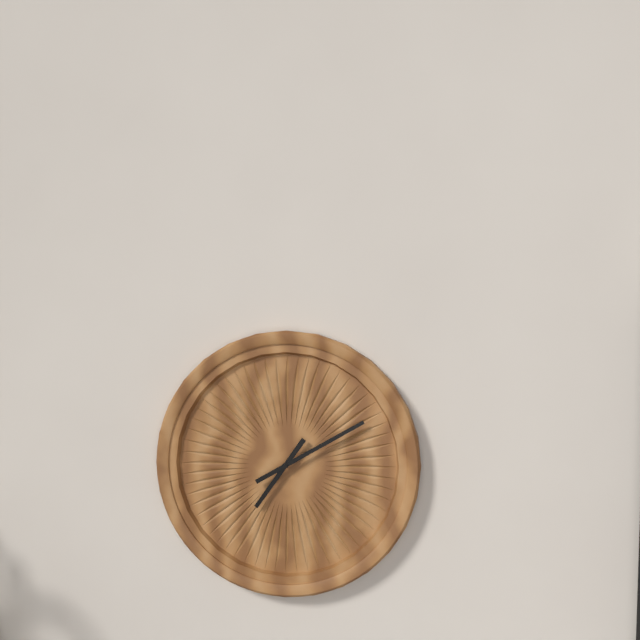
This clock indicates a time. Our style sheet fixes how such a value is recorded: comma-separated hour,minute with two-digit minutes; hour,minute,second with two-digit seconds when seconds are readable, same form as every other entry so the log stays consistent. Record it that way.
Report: 7,10
